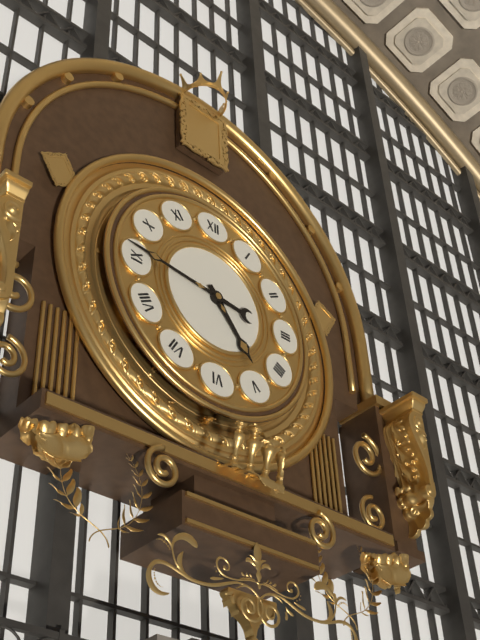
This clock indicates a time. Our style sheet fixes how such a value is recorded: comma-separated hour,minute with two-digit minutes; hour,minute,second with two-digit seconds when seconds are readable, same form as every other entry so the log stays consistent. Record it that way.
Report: 4,46
